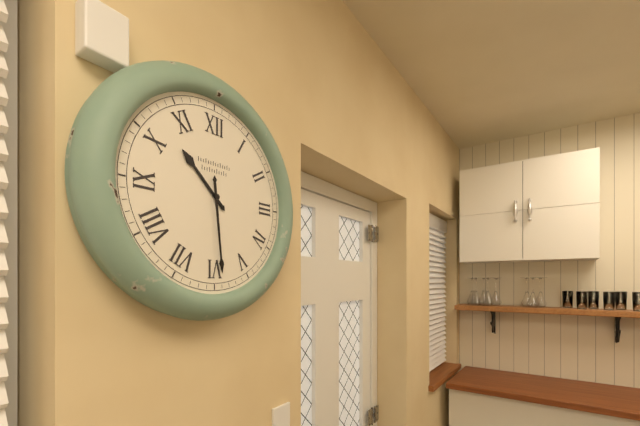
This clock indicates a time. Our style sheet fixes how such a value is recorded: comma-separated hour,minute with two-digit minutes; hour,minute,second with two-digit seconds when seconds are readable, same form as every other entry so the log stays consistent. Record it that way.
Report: 10,29
